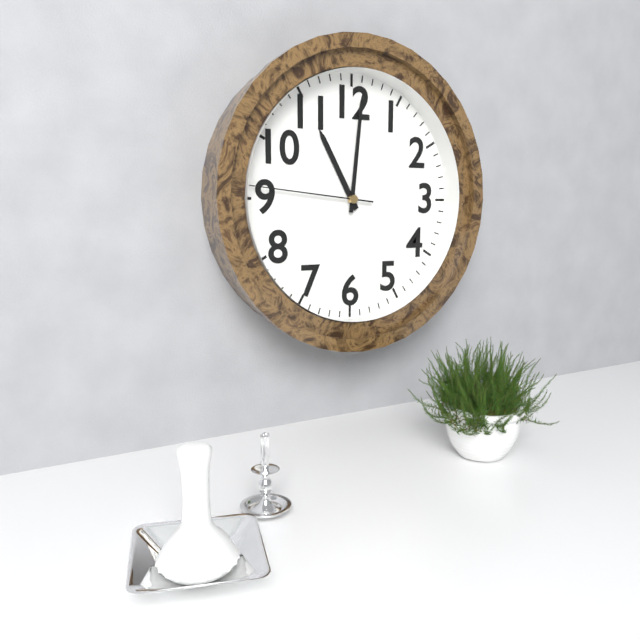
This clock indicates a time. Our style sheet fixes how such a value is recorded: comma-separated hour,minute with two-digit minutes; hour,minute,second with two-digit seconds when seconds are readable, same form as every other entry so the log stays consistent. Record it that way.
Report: 11,01,46
